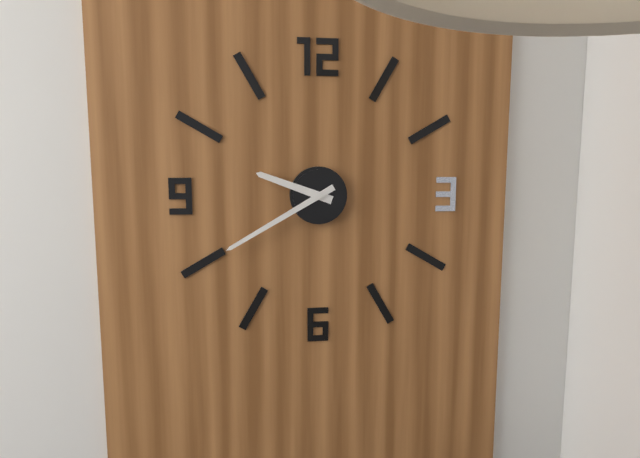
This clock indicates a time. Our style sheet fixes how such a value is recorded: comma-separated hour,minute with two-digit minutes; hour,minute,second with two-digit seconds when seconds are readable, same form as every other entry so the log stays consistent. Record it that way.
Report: 9,40
